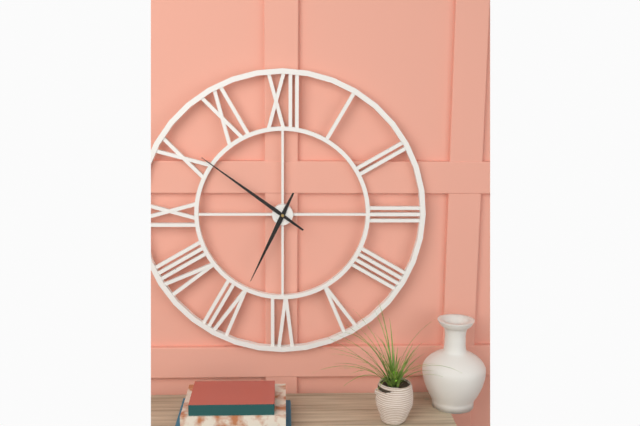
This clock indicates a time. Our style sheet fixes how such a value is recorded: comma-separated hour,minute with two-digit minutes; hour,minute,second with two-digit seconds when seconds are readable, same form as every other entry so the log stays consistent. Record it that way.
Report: 6,51
